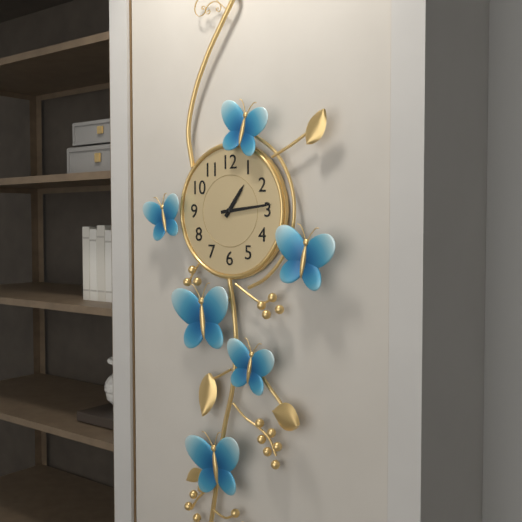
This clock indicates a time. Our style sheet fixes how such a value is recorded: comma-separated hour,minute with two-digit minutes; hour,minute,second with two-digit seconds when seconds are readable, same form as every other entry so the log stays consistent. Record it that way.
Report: 1,14
